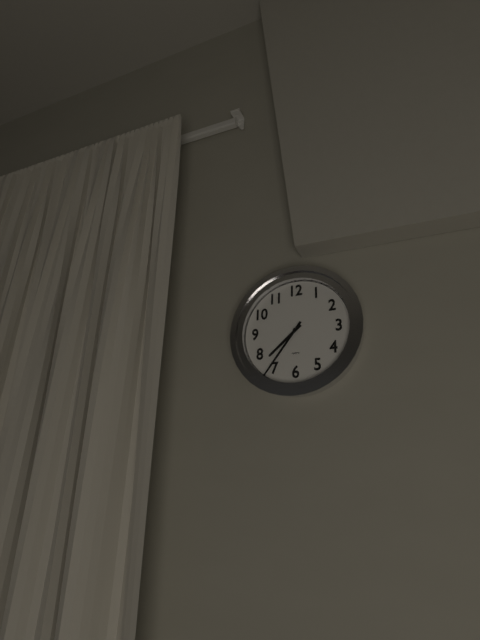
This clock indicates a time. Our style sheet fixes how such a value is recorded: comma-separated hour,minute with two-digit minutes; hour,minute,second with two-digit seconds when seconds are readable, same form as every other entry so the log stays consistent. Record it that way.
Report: 7,36
